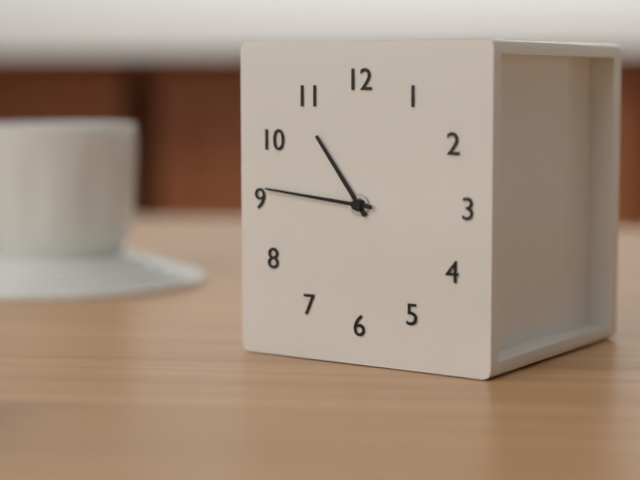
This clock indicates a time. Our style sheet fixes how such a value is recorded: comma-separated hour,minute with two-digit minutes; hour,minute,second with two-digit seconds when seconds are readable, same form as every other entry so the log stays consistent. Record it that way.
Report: 10,46
